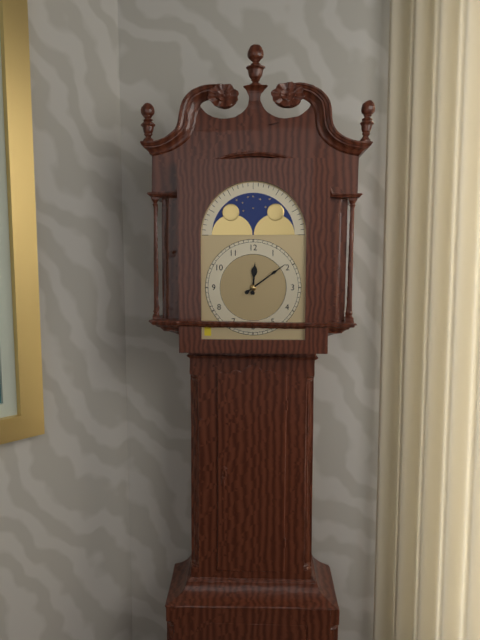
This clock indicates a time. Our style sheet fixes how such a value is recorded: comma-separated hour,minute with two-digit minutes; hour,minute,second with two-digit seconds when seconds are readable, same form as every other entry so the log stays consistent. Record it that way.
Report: 12,09
